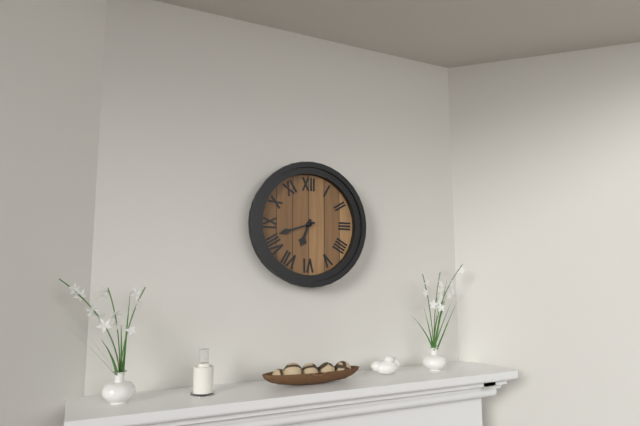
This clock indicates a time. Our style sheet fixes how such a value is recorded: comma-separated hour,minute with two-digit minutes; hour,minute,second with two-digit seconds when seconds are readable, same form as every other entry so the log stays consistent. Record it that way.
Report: 6,42
